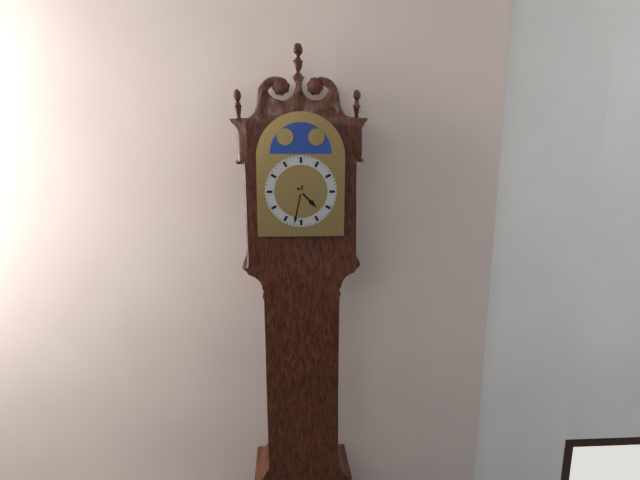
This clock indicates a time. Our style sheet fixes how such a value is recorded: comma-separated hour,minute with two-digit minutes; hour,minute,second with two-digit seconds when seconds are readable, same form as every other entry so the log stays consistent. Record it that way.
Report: 4,32
